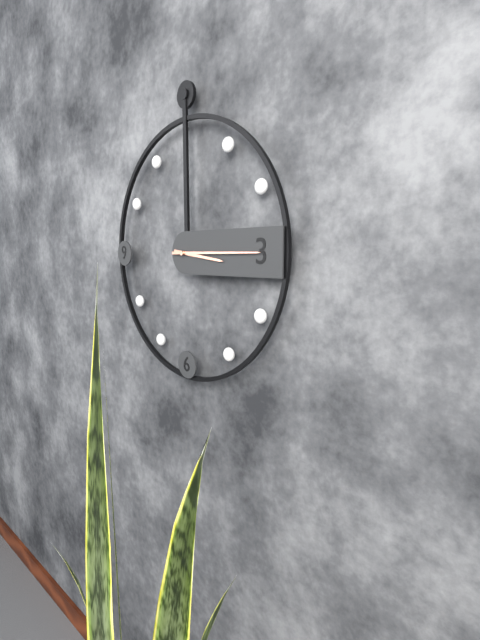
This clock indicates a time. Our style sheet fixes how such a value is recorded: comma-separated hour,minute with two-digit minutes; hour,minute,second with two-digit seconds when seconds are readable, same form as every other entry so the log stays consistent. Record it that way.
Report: 3,15
